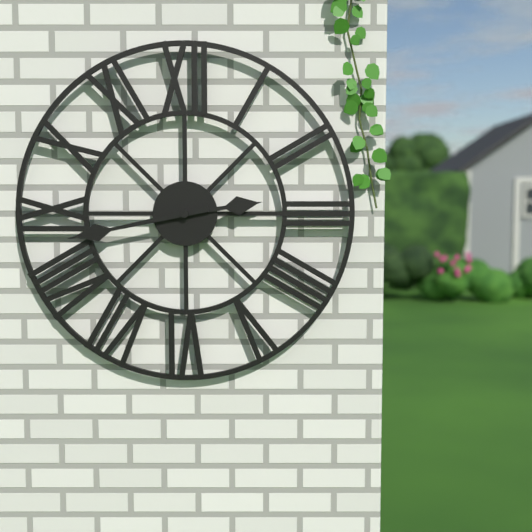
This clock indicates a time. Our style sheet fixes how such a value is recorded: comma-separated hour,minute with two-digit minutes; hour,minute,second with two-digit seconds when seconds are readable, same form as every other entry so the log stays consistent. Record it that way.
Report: 2,43
